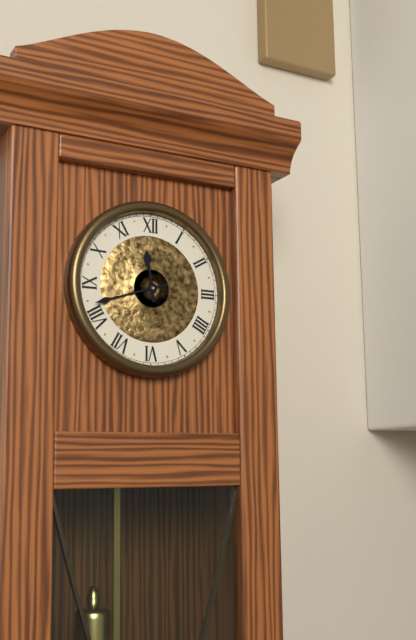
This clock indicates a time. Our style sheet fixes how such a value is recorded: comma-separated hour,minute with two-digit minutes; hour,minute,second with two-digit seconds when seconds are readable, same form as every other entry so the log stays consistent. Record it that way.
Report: 11,42
